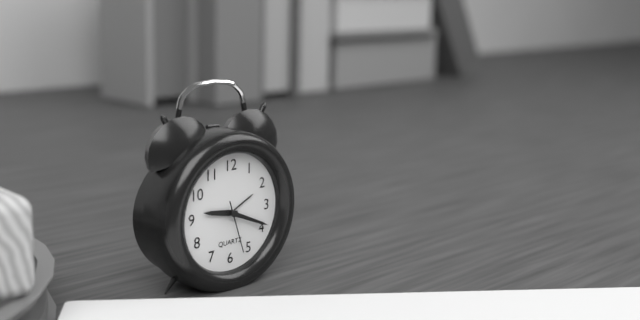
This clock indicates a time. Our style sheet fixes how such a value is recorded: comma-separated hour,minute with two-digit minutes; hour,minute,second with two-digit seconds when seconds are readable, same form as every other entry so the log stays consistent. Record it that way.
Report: 9,19,27
